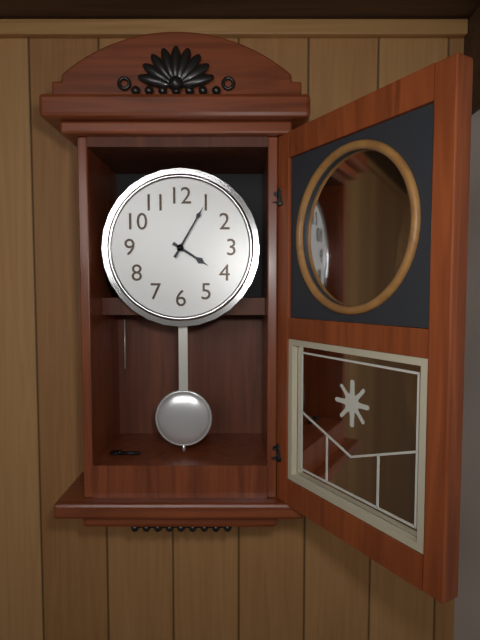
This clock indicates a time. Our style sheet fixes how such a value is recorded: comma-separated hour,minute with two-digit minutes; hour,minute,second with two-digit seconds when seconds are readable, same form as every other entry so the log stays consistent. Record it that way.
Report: 4,05
